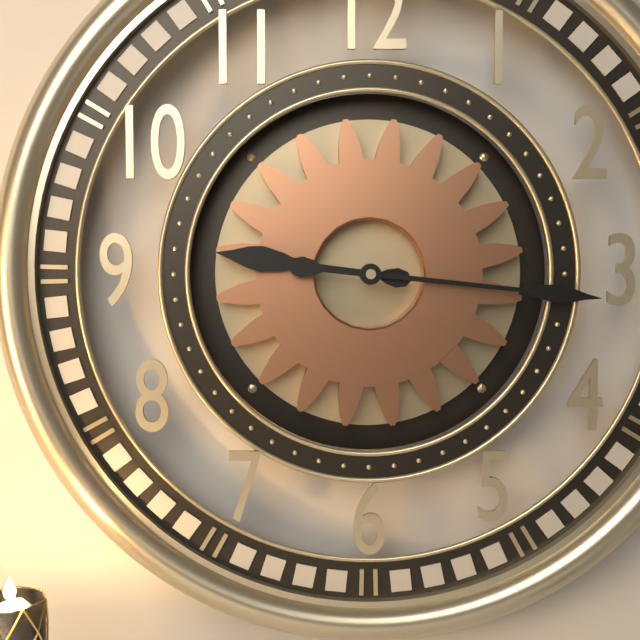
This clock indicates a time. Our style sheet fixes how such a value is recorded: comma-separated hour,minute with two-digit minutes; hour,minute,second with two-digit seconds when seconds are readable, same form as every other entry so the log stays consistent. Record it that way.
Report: 9,16
